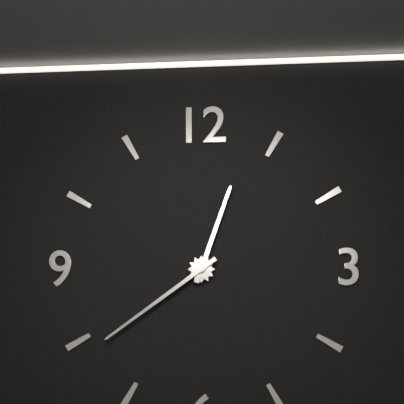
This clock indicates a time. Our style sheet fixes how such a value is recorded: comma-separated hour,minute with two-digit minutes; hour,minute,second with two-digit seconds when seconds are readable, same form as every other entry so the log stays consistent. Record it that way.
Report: 12,39
